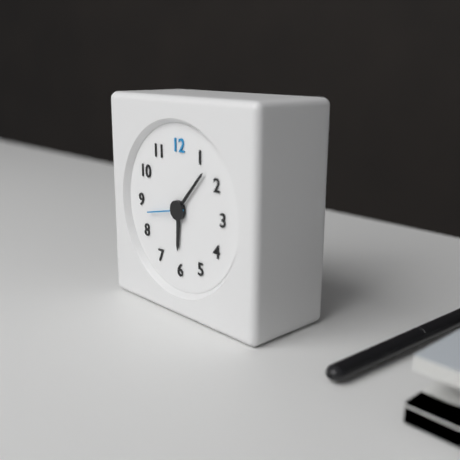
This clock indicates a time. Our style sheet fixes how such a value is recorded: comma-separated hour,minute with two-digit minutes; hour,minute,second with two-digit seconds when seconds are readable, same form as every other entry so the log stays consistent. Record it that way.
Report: 6,07,43
